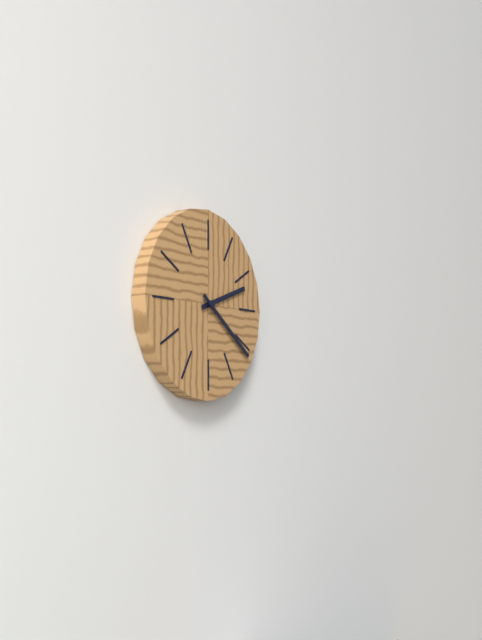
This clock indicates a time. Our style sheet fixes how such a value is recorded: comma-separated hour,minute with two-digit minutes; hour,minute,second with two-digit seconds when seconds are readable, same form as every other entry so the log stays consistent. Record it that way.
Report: 2,21
